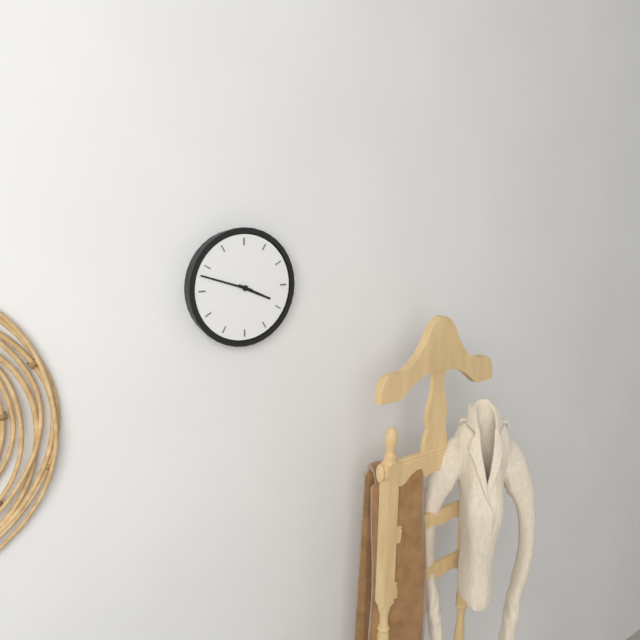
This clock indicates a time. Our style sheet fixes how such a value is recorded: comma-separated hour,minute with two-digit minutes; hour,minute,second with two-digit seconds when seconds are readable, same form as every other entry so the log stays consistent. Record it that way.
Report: 3,48
